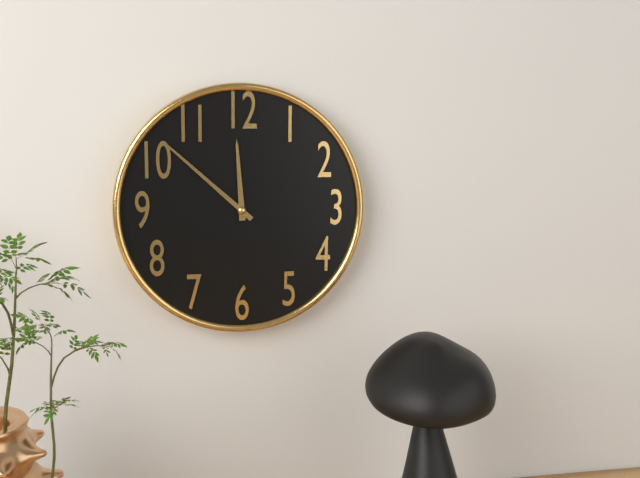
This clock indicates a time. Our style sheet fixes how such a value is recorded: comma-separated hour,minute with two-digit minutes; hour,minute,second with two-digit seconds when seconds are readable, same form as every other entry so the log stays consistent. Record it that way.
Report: 11,52
